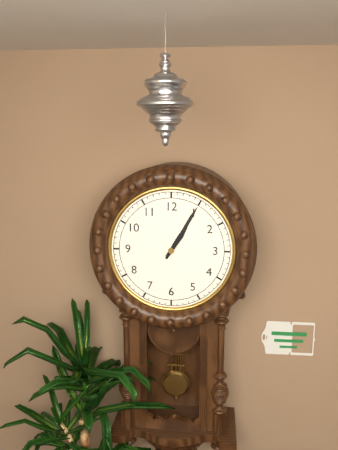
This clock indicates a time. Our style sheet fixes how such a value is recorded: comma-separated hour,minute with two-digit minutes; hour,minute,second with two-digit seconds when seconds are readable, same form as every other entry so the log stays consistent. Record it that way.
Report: 1,05
